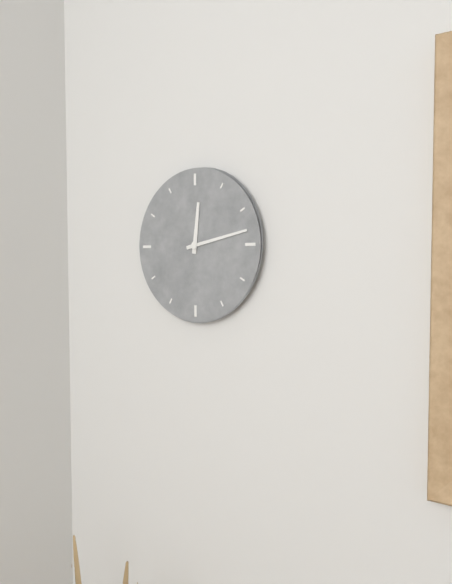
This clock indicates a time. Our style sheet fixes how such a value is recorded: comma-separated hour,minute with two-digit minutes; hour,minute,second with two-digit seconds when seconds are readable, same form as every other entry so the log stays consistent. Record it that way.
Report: 12,13
